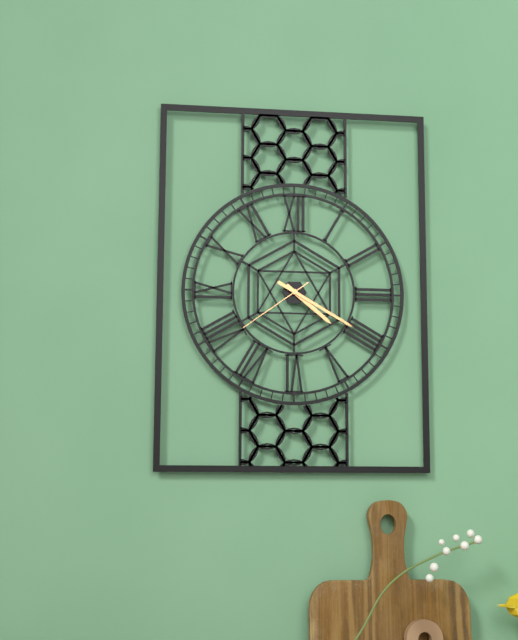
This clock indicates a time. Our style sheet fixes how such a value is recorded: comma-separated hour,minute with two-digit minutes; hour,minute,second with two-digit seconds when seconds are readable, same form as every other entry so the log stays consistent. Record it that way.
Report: 4,20,39
